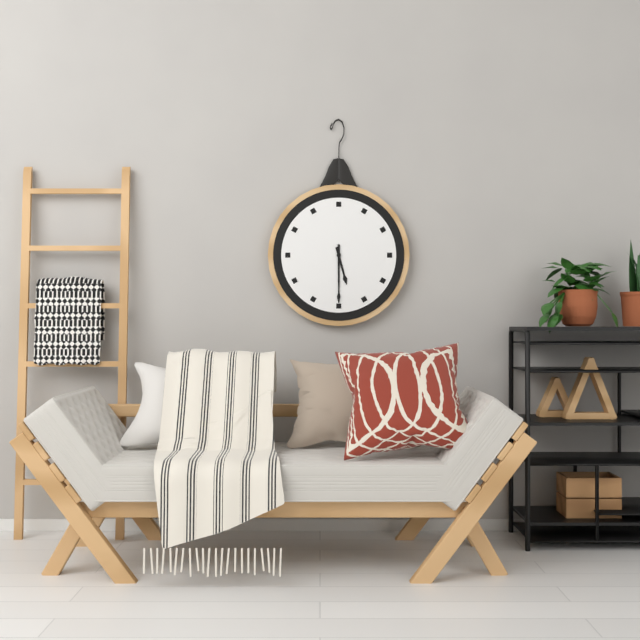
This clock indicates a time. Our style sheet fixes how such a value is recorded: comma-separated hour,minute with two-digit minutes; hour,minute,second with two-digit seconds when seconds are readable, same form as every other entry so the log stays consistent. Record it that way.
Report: 5,30
